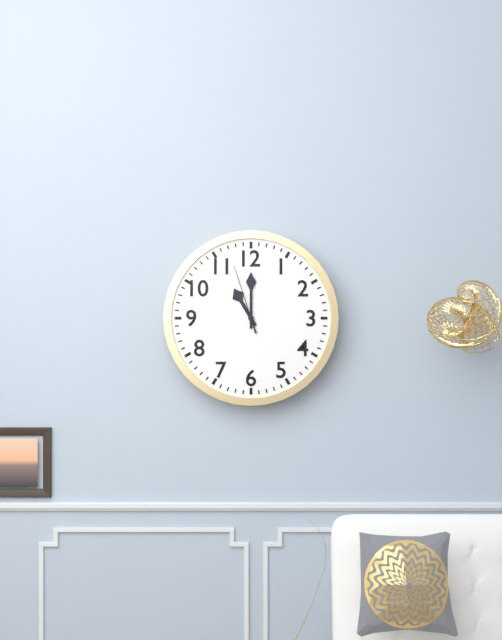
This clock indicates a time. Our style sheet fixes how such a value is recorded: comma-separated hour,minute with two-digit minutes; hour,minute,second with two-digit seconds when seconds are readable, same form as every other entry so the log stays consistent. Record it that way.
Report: 11,00,57
